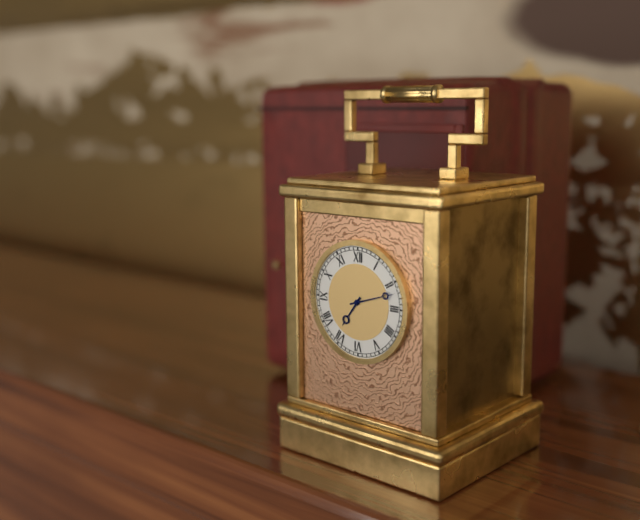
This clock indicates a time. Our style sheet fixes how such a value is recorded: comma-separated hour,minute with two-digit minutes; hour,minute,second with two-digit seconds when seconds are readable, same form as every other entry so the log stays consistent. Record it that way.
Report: 7,12
